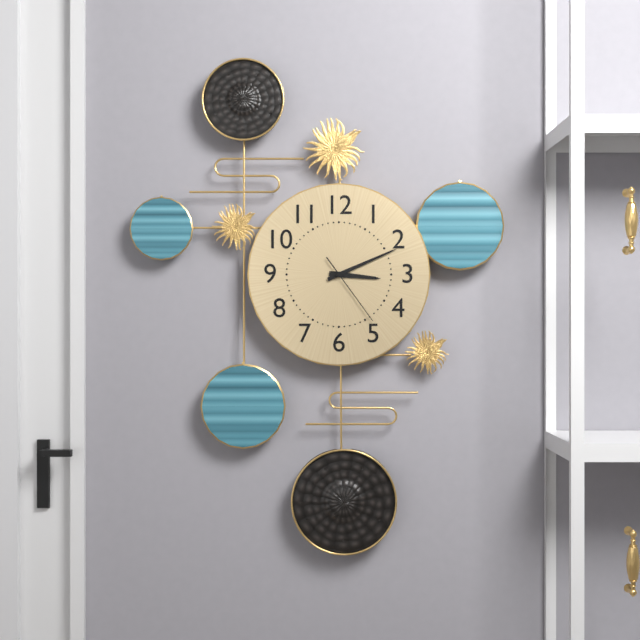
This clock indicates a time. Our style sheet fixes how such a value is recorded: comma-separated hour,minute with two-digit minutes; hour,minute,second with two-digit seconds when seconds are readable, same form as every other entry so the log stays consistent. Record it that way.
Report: 3,11,24
